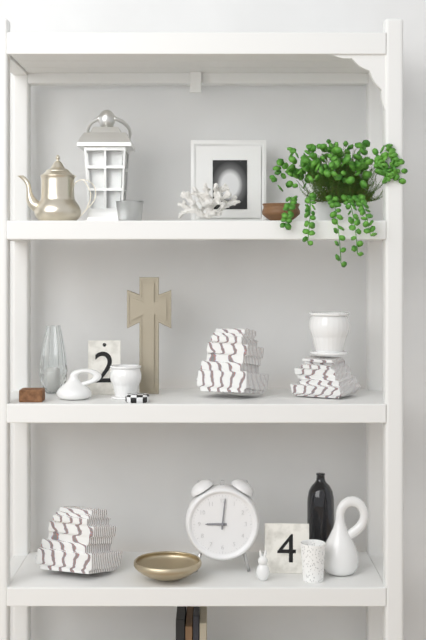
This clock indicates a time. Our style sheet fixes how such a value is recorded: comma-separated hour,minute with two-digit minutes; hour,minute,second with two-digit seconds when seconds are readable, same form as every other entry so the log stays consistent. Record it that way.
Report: 9,01
